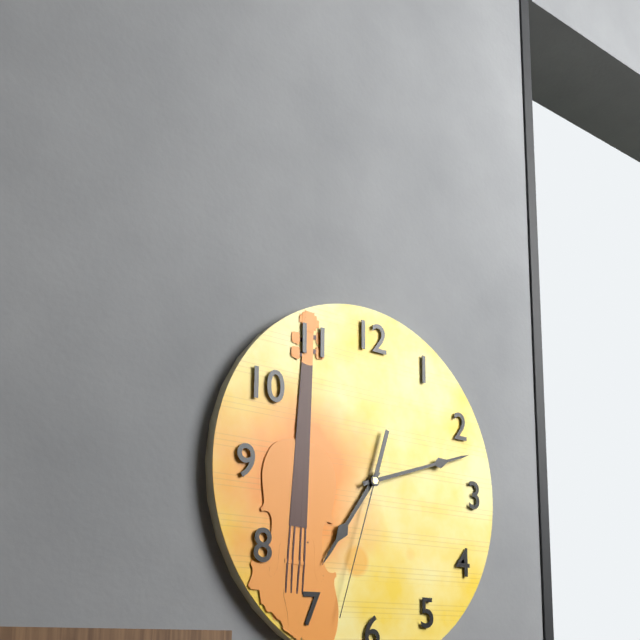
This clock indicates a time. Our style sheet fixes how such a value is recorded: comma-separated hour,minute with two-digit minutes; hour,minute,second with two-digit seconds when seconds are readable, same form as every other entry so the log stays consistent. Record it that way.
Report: 7,12,33
